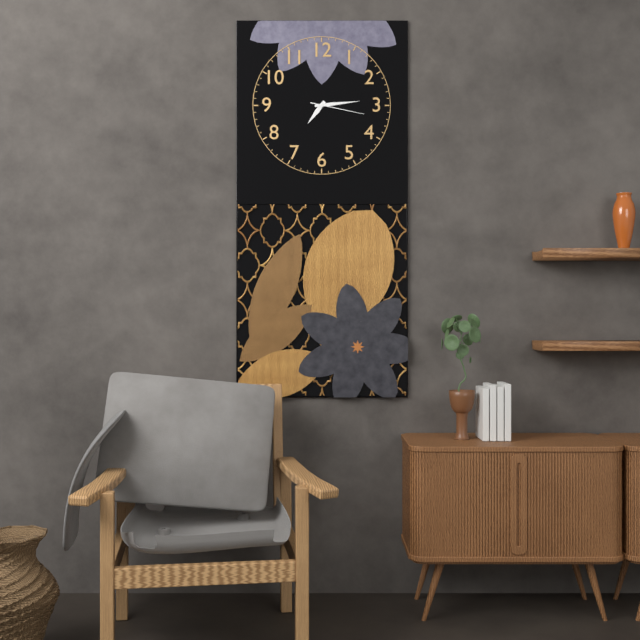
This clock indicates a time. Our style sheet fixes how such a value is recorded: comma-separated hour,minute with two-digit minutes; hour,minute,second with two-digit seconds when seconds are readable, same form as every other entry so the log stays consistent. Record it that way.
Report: 7,14,17
